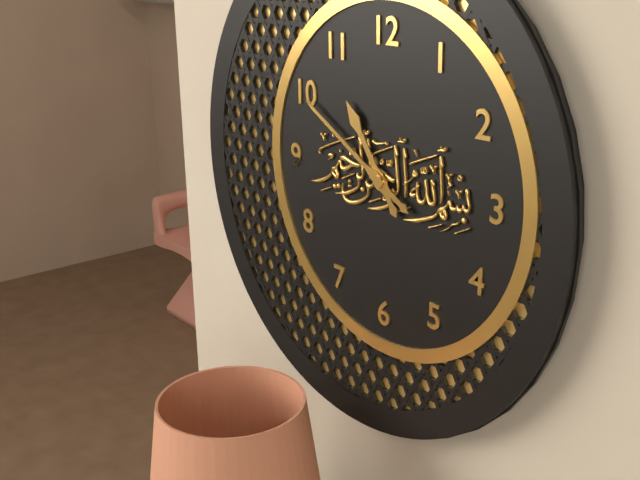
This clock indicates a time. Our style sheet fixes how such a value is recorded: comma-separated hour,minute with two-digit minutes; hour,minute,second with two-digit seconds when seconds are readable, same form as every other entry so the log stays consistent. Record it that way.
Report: 10,50
